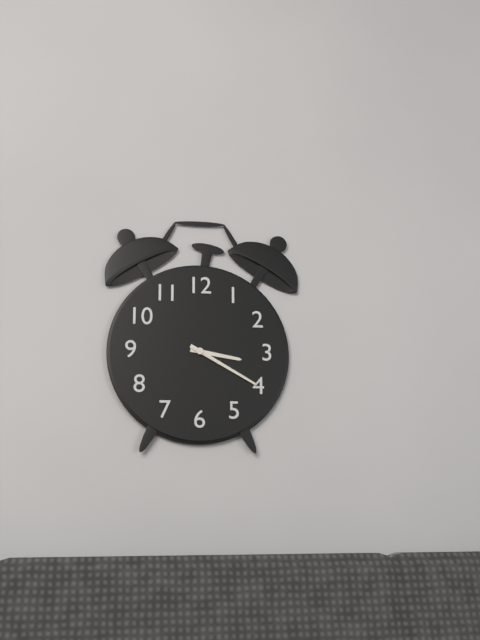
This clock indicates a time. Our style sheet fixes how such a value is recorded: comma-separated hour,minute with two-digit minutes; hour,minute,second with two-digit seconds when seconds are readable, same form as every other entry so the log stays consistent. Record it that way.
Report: 3,20
